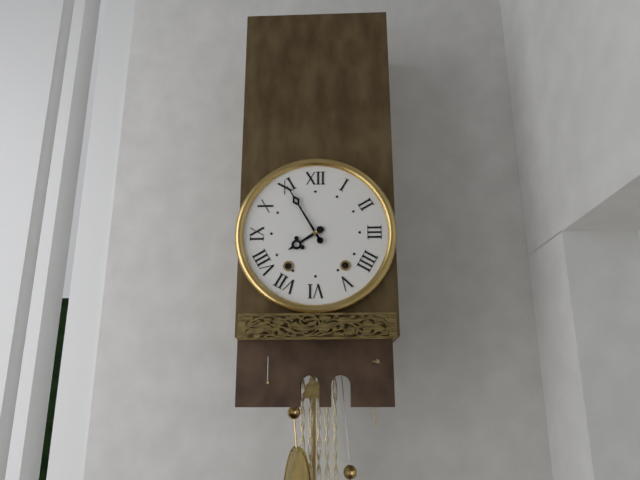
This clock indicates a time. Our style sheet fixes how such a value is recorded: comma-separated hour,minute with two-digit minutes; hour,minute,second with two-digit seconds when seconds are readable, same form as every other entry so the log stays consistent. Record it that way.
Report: 7,55
